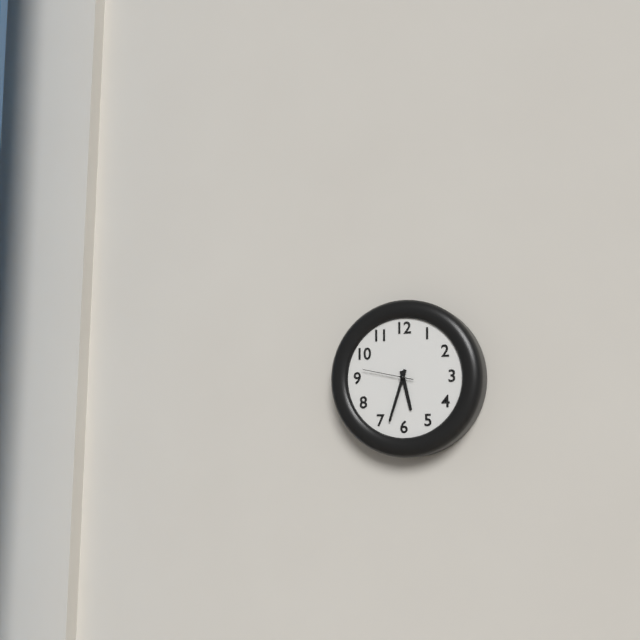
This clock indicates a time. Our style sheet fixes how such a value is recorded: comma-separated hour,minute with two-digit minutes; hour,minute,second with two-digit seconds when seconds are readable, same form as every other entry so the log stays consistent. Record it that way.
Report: 5,33,47
